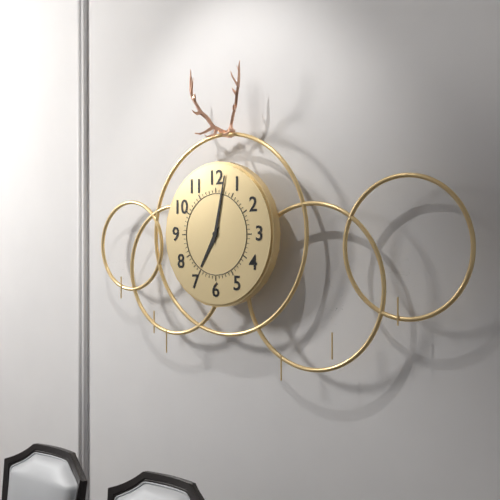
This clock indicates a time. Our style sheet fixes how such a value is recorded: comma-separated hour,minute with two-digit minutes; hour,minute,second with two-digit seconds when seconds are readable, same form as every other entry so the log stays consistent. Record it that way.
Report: 7,02
